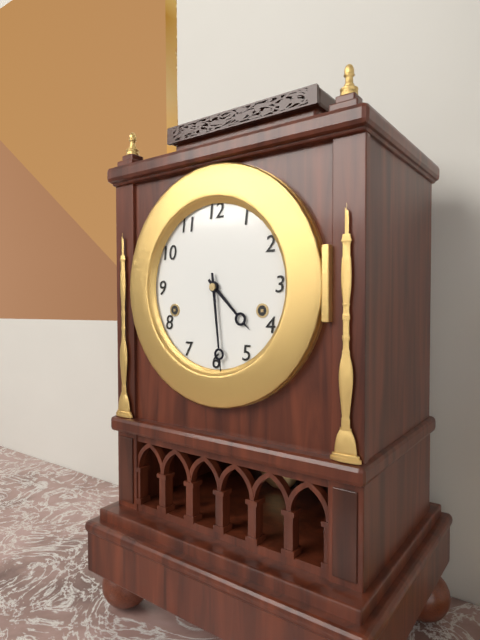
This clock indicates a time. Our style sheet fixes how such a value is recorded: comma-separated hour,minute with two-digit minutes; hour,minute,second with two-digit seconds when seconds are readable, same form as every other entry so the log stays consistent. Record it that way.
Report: 4,29
